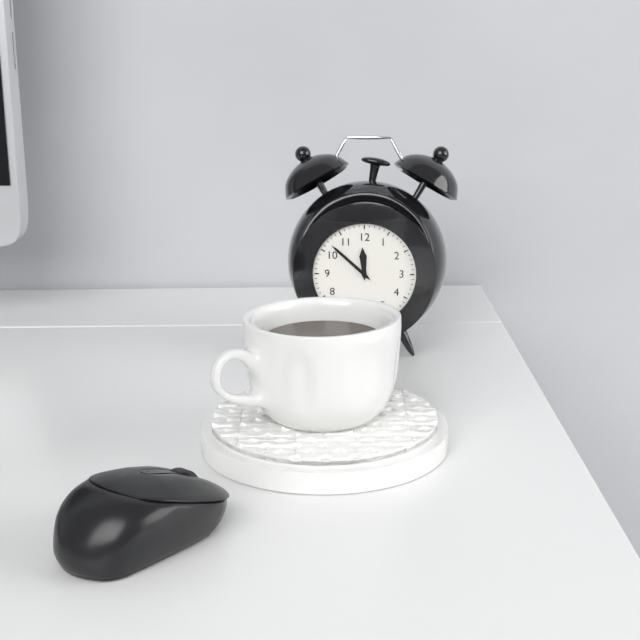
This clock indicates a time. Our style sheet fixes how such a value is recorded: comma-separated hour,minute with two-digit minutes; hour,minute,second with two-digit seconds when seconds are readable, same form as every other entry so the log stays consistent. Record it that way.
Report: 11,52
